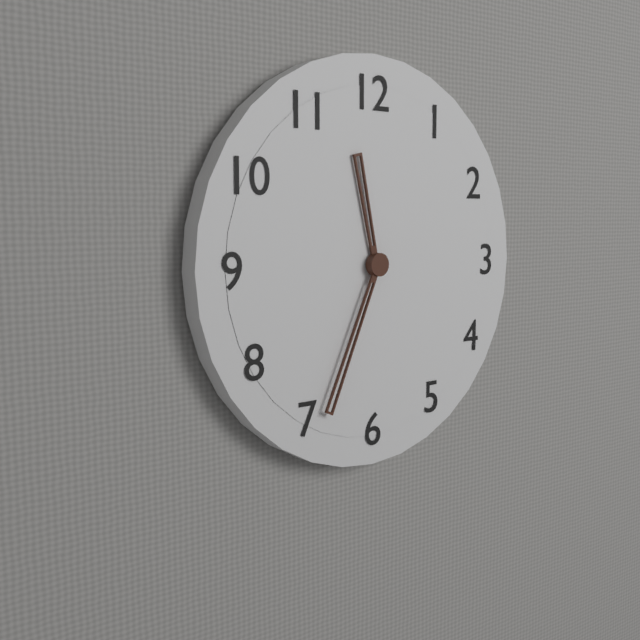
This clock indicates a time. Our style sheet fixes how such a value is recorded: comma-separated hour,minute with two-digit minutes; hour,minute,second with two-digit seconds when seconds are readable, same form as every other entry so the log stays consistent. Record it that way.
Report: 11,34
